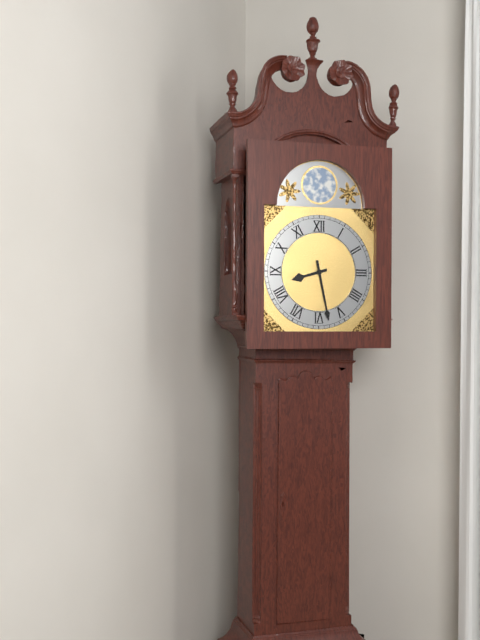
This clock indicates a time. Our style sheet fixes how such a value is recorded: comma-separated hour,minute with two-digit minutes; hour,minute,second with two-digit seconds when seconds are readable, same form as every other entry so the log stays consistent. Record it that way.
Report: 8,28
